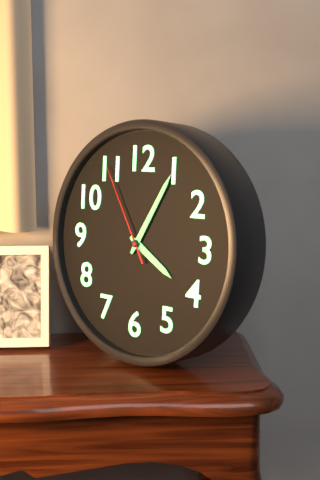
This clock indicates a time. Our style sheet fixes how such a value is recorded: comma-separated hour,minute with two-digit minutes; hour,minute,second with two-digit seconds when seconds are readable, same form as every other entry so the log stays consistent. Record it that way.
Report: 4,05,55
